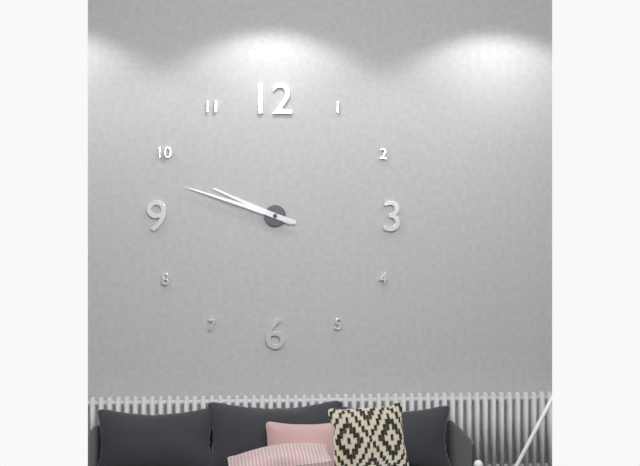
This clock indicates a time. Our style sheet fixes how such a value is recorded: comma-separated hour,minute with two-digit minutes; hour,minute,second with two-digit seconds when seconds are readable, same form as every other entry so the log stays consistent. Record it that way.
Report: 9,48
